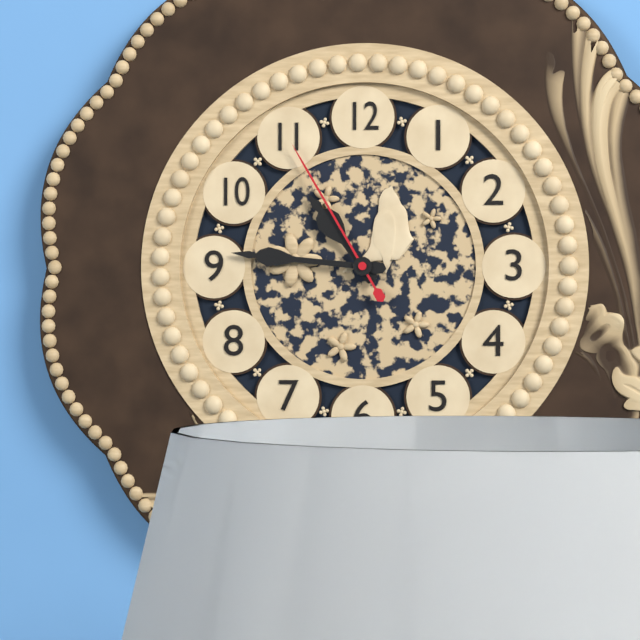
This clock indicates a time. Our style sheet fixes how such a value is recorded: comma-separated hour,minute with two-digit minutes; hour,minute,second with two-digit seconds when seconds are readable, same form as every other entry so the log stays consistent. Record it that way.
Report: 10,46,55
